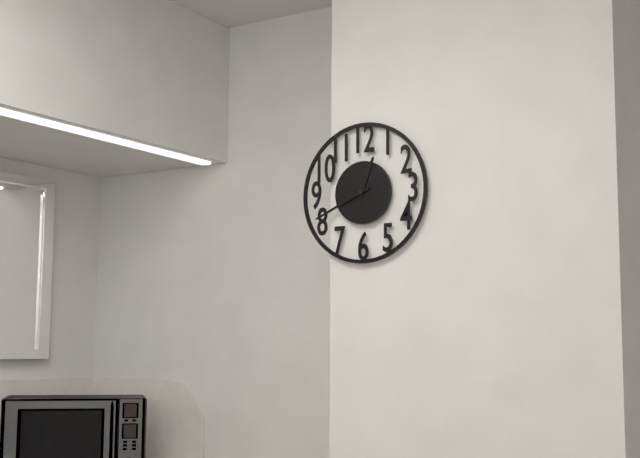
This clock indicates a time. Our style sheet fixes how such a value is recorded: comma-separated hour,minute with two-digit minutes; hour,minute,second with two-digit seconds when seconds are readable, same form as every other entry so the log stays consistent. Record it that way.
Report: 12,41
